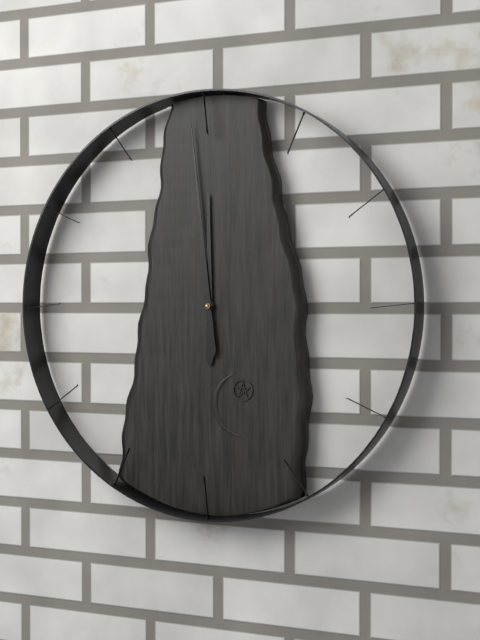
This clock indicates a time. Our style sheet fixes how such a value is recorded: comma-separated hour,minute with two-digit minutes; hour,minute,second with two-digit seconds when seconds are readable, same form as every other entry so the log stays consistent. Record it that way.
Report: 11,59
